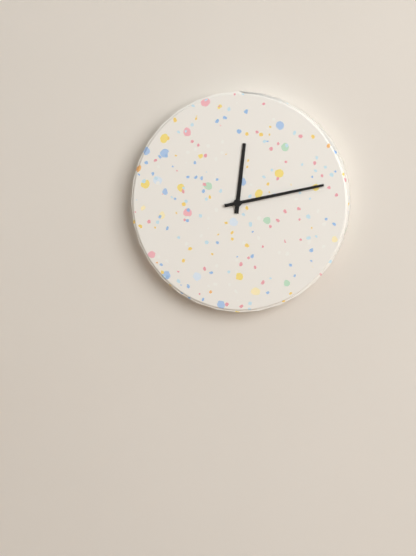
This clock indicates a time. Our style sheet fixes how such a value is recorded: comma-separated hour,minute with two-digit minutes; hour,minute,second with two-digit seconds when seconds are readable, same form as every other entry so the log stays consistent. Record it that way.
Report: 12,13
